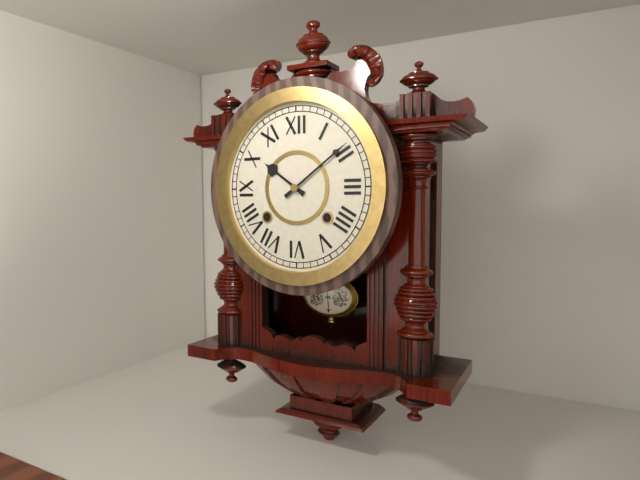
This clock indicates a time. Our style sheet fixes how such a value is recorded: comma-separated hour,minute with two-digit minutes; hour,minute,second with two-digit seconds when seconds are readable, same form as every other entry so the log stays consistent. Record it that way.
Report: 10,09
